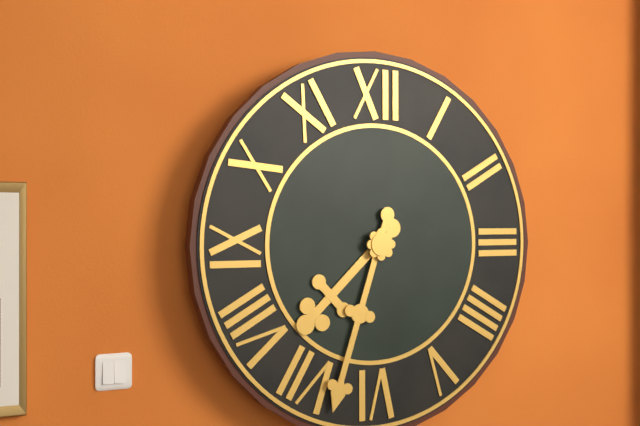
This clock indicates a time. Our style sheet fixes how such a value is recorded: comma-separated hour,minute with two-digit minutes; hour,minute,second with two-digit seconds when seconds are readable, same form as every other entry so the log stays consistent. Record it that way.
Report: 7,33
